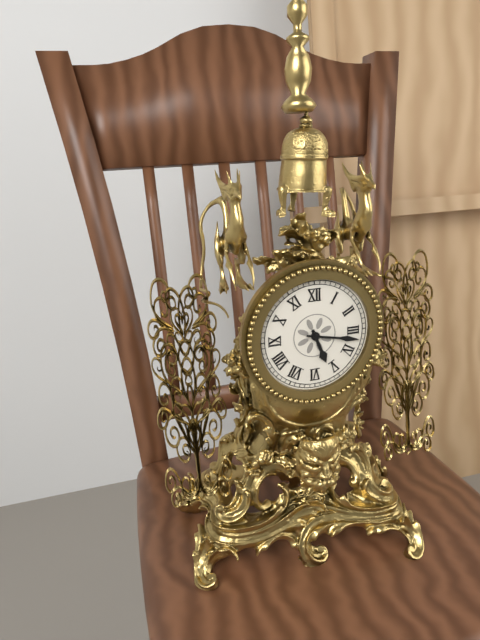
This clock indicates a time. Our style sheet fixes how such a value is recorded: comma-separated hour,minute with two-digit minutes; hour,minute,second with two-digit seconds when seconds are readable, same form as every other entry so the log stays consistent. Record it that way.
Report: 5,17
